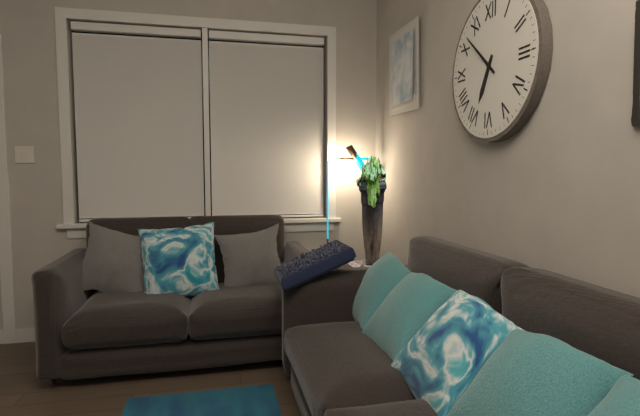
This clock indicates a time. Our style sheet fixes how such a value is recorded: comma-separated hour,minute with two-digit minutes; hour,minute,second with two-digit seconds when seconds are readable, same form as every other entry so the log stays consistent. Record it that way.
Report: 6,52
